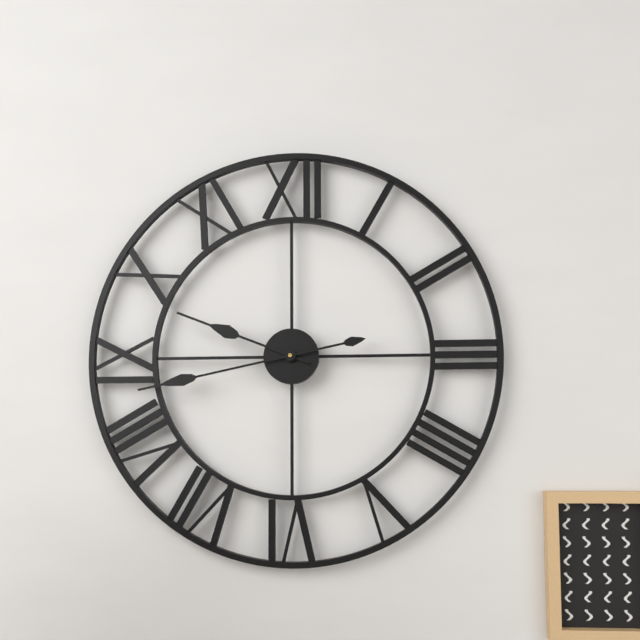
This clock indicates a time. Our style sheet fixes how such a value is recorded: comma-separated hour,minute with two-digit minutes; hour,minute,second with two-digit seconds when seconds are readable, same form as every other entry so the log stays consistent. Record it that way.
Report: 9,43
